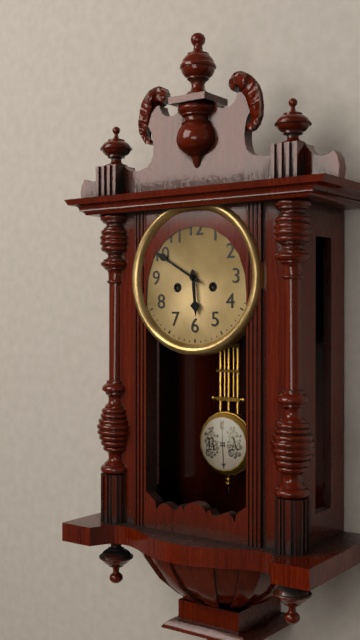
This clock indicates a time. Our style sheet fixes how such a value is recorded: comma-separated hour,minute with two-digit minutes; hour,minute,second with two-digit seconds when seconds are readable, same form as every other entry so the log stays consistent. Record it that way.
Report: 5,50
